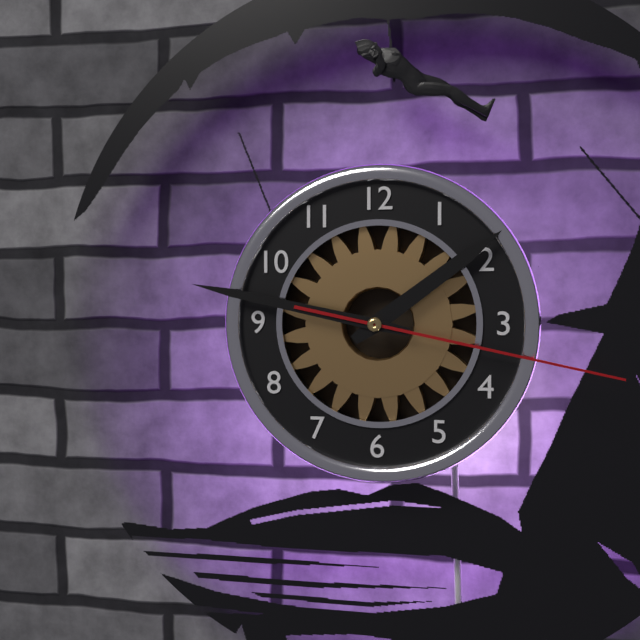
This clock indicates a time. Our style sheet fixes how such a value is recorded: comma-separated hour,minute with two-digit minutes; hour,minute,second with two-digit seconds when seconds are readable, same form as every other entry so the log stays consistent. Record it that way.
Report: 1,47,17
